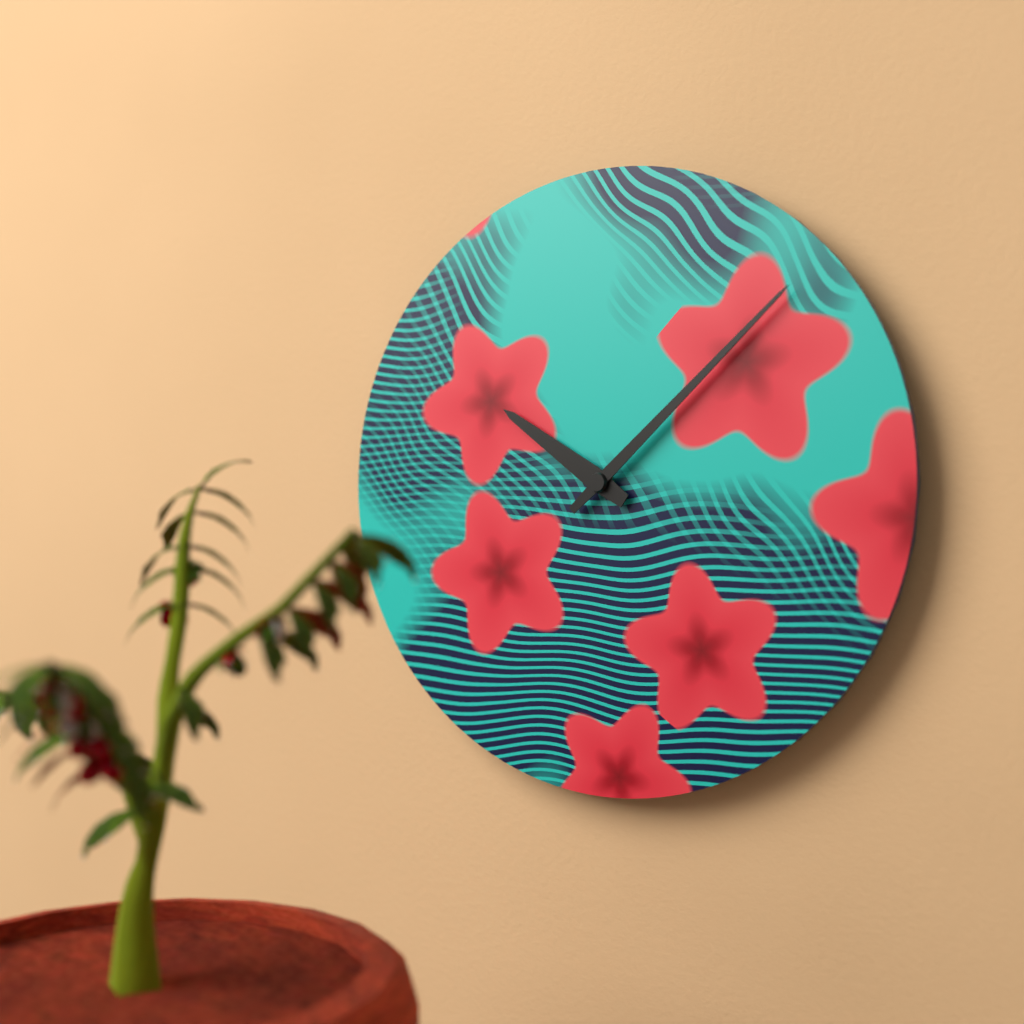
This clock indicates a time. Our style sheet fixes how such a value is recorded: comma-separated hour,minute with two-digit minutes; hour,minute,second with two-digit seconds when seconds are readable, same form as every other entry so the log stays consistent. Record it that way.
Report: 10,08
